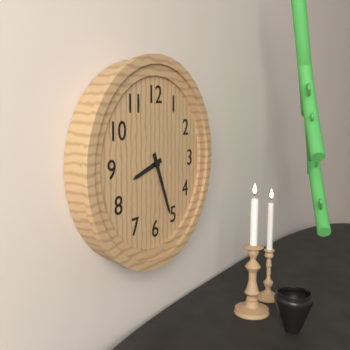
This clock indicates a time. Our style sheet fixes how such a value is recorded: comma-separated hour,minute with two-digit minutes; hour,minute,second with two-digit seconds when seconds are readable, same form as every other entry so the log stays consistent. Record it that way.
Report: 8,26
